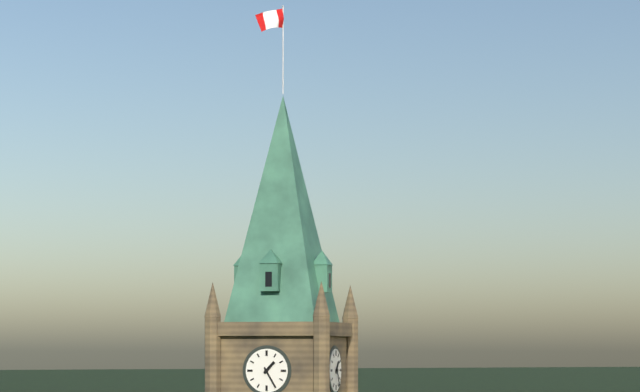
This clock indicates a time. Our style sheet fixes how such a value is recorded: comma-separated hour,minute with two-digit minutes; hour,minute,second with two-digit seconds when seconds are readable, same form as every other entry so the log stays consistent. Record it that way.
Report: 1,25
